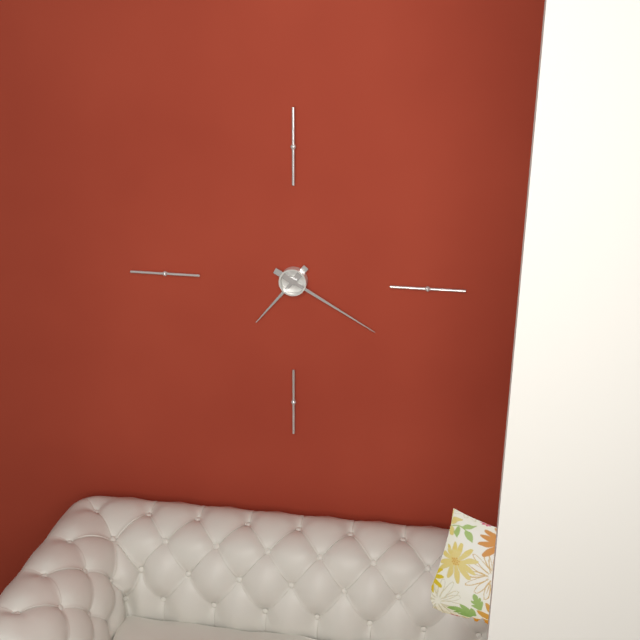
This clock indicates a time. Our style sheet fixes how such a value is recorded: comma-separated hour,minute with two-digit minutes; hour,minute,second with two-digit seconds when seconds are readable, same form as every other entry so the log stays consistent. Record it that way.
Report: 7,20
